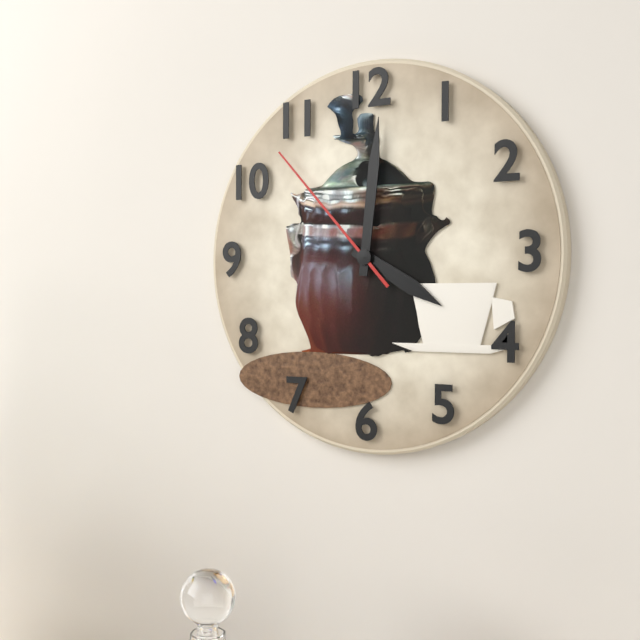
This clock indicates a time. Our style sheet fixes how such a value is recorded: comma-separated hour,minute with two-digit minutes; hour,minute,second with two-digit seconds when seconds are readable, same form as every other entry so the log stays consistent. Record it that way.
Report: 4,01,53
